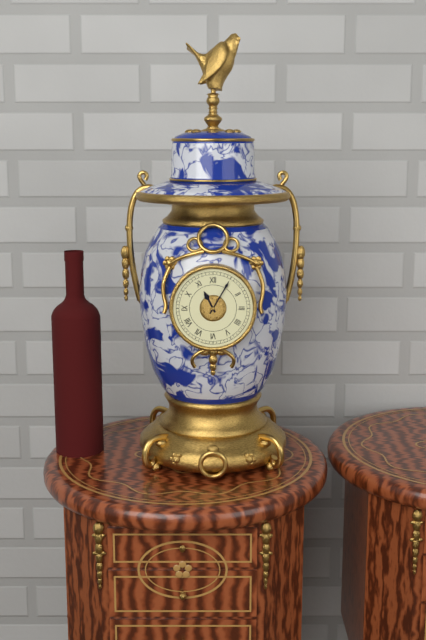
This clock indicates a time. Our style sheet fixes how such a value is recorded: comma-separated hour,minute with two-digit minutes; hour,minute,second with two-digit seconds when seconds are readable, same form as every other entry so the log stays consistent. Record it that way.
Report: 11,05
